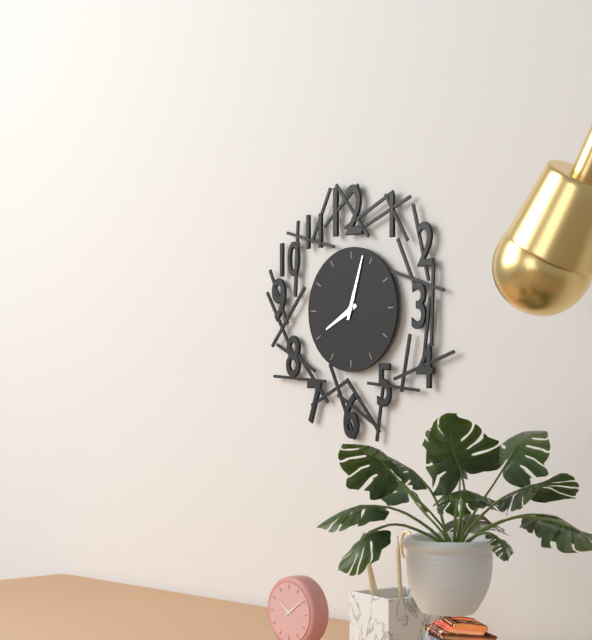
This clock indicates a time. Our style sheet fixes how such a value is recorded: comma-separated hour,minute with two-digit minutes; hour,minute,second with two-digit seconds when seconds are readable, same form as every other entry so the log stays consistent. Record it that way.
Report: 8,03
